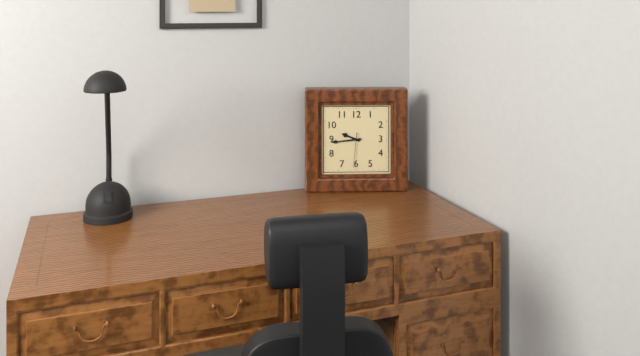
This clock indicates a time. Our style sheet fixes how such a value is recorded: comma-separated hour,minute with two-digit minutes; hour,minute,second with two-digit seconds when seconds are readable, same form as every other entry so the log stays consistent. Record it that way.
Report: 9,44
